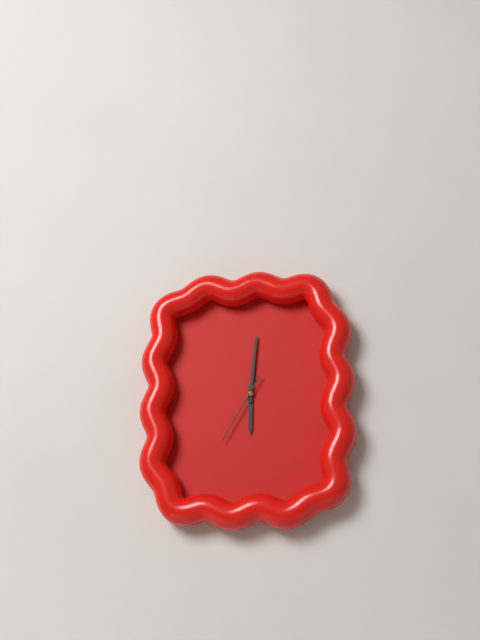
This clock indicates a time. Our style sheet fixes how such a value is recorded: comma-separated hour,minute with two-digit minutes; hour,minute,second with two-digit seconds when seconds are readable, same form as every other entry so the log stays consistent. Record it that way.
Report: 6,01,35
